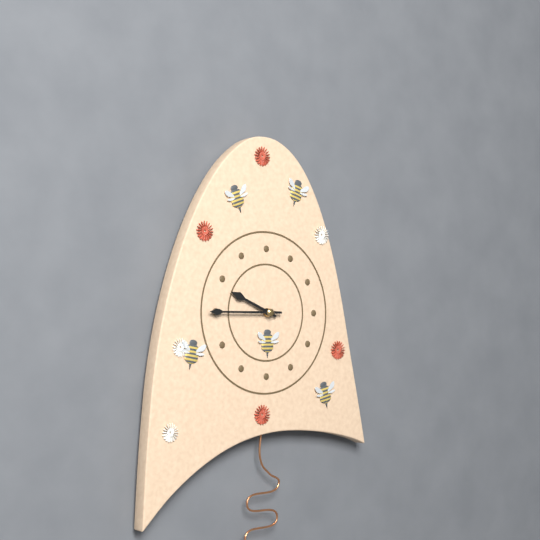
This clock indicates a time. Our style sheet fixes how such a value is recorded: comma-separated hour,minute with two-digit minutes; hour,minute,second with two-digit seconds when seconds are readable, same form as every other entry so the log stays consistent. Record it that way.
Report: 9,45
